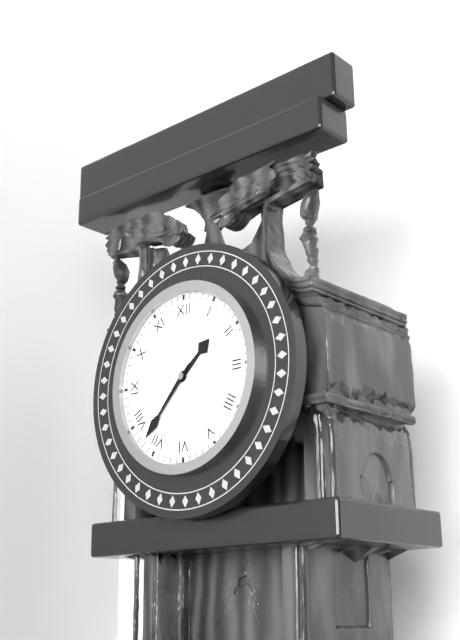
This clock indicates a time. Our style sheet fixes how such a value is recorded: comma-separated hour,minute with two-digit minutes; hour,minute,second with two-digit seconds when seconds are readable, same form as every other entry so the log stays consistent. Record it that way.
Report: 1,37
